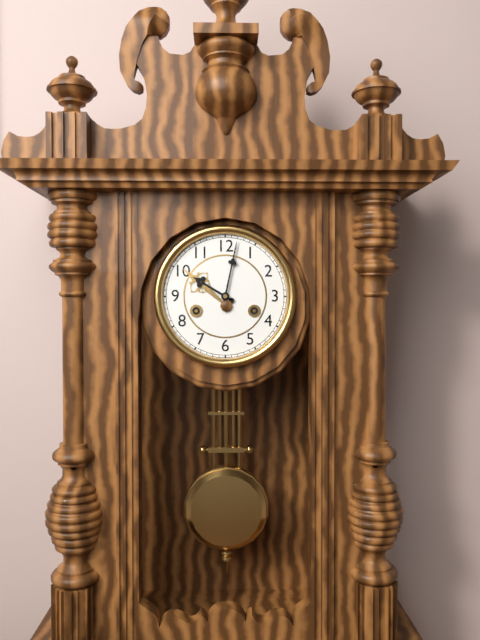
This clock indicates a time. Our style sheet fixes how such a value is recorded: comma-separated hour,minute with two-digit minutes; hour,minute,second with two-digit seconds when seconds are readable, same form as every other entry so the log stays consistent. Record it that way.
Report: 10,02
